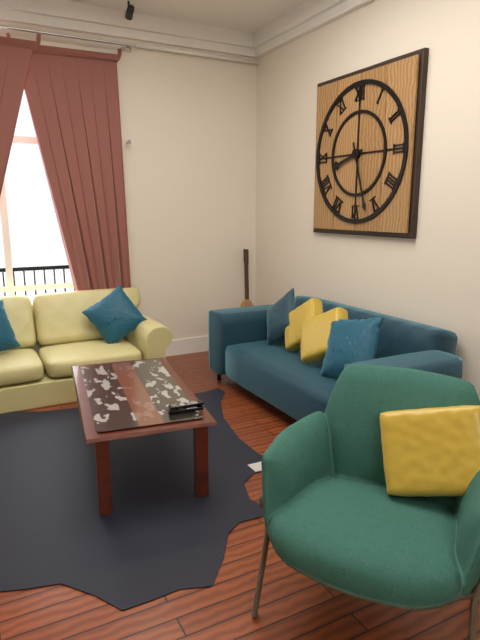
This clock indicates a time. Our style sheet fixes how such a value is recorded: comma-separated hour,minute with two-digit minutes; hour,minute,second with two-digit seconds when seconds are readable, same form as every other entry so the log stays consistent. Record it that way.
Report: 8,27
